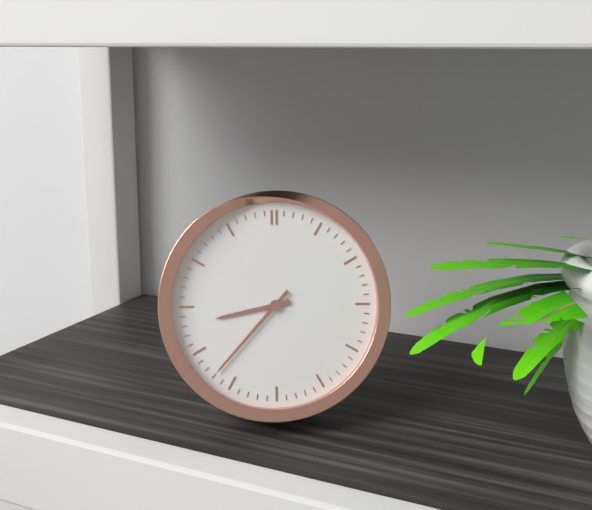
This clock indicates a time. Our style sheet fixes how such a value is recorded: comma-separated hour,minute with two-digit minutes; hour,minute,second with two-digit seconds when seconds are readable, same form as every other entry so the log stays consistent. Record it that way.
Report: 8,37
